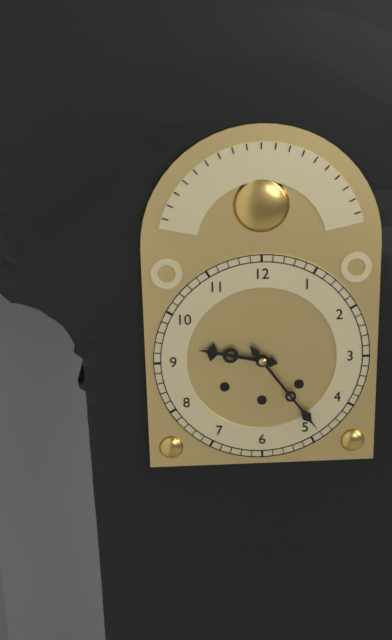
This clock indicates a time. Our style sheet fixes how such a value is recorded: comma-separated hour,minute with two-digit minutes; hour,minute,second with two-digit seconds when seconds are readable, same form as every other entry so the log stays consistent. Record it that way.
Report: 9,24
